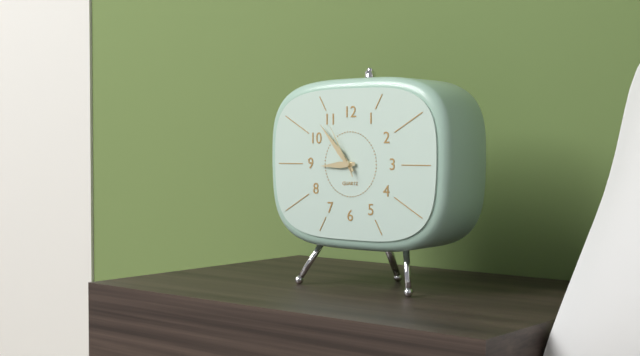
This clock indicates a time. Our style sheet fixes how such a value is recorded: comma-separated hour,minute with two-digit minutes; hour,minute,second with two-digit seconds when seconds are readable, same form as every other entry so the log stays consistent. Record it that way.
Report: 8,53,55
